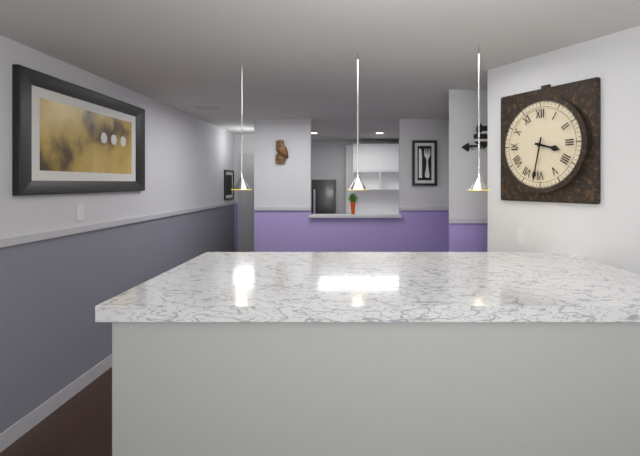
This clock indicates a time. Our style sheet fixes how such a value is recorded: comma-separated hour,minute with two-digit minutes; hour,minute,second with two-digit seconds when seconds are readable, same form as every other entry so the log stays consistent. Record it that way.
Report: 3,32
